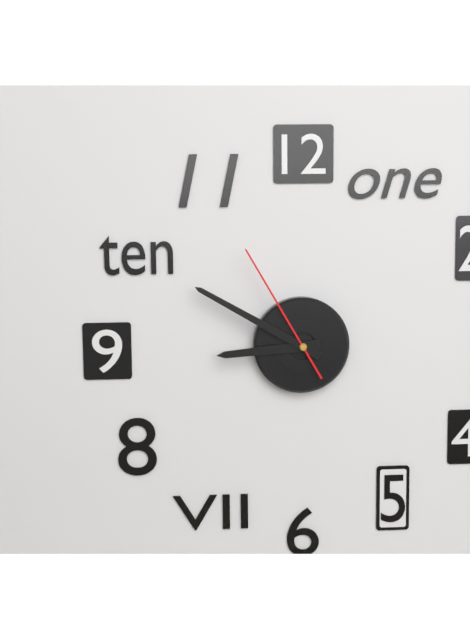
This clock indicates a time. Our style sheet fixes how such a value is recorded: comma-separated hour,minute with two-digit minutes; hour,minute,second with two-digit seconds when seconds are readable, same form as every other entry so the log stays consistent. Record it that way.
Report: 8,50,55
